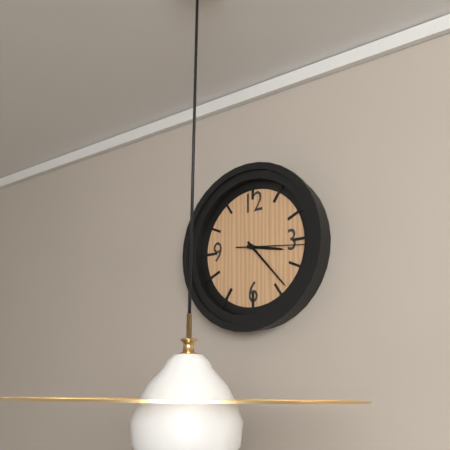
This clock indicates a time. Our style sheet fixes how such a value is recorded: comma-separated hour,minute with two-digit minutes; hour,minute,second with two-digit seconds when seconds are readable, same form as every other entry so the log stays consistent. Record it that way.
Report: 3,23,16
